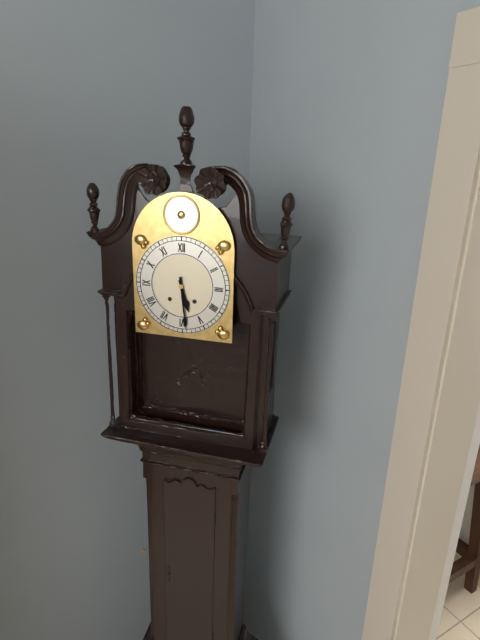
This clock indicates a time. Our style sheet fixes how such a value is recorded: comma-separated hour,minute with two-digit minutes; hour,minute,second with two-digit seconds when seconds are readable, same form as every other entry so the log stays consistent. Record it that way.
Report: 5,29
